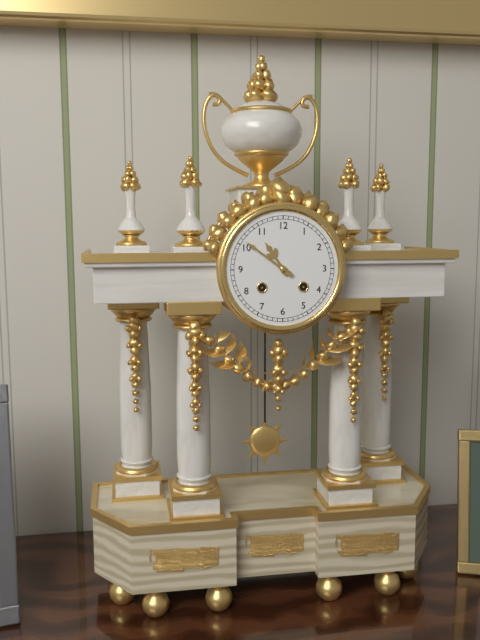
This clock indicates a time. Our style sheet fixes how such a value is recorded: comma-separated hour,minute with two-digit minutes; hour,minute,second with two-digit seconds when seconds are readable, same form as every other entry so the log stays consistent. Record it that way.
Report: 10,51
